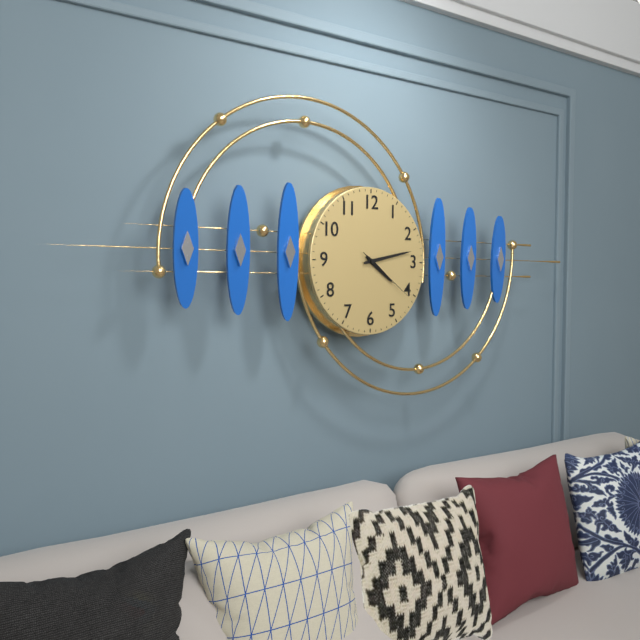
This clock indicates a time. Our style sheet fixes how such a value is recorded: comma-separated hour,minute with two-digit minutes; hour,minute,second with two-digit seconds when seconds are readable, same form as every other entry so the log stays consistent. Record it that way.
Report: 4,13,21
